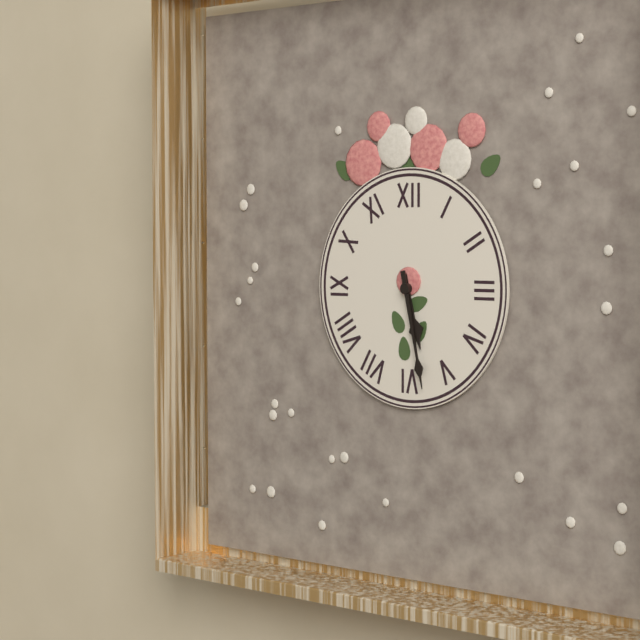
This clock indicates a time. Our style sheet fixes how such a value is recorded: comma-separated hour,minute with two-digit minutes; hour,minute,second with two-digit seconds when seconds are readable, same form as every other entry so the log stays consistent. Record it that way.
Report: 5,28
